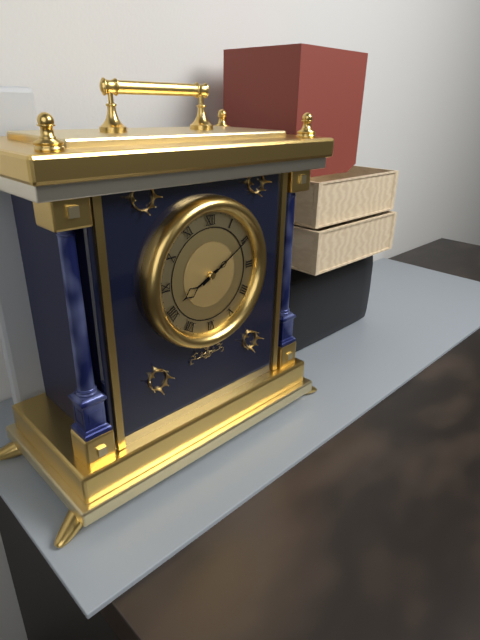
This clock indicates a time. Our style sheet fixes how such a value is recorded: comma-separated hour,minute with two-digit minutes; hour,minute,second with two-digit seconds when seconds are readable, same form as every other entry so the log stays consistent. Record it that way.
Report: 8,10
